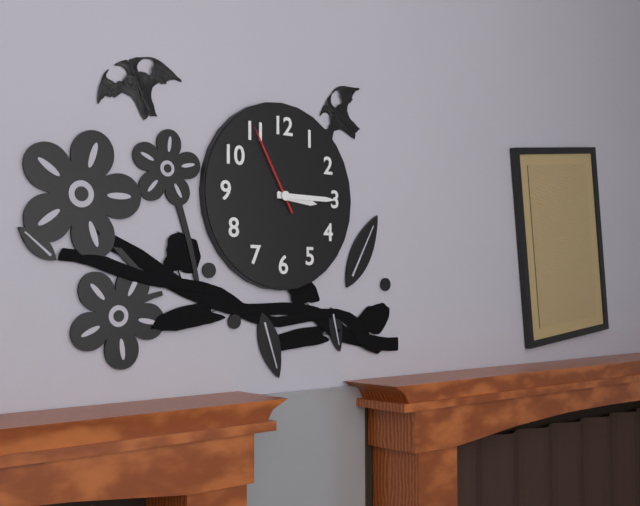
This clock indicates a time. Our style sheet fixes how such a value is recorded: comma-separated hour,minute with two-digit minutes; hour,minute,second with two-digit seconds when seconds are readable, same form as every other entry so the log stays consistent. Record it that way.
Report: 3,15,55
